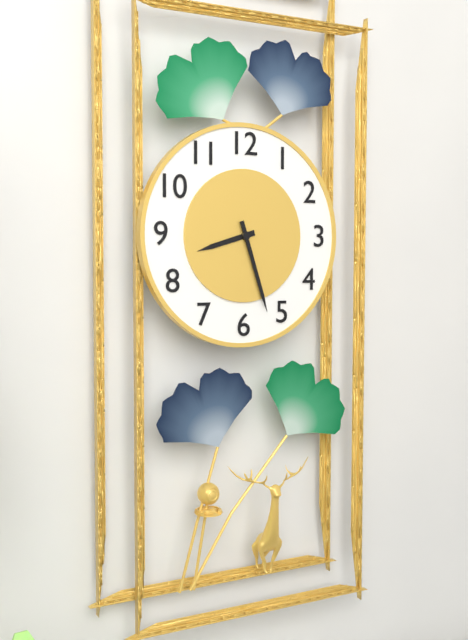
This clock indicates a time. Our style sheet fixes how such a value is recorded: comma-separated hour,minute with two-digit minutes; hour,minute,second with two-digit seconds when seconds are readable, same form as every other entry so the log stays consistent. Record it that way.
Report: 8,27
